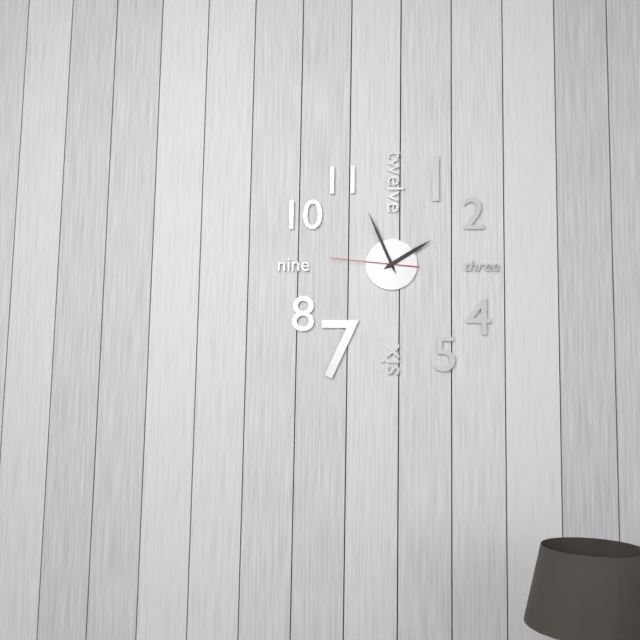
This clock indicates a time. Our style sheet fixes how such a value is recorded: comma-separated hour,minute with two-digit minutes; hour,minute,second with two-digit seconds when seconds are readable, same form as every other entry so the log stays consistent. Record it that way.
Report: 1,56,46
